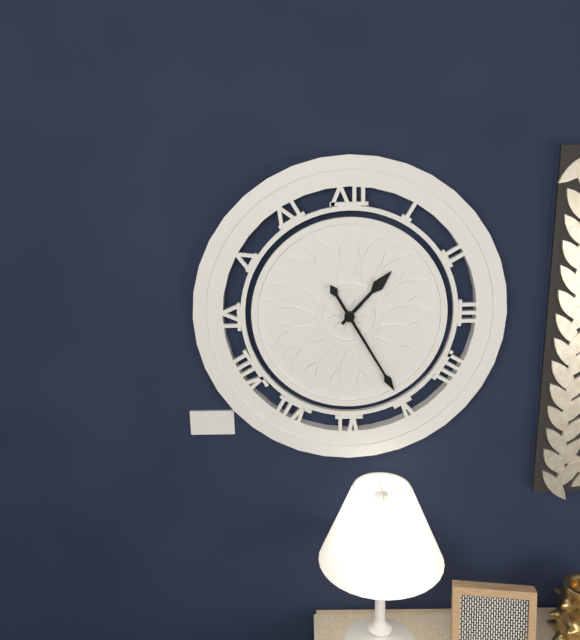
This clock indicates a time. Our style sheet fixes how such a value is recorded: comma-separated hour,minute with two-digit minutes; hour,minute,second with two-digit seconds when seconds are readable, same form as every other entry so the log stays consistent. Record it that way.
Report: 1,25
